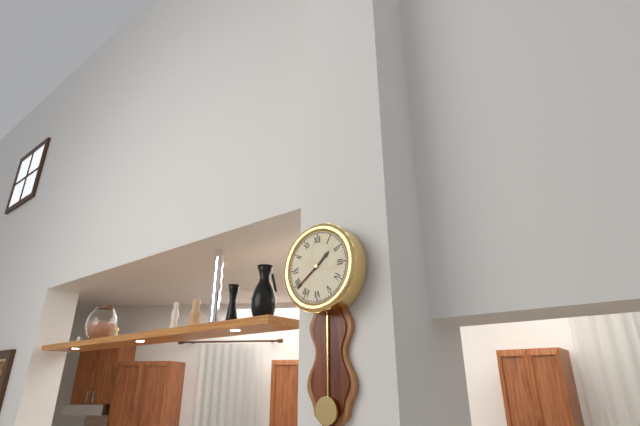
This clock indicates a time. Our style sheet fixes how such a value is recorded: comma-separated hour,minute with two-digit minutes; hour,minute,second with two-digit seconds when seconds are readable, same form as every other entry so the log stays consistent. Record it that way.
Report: 1,39
